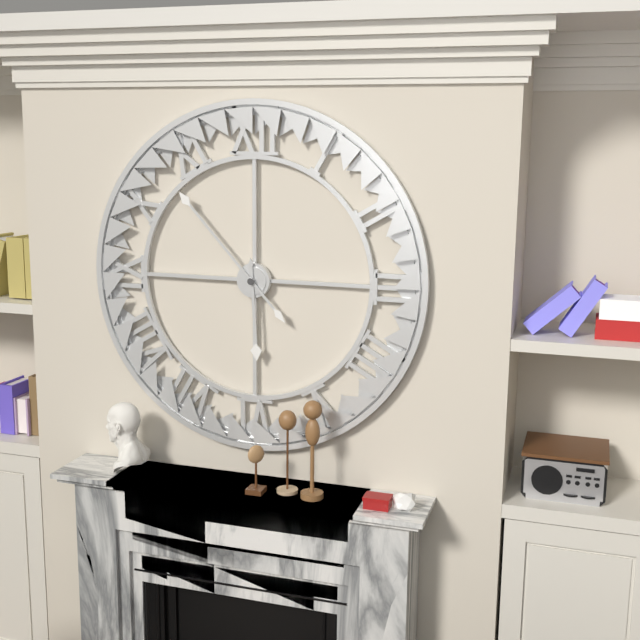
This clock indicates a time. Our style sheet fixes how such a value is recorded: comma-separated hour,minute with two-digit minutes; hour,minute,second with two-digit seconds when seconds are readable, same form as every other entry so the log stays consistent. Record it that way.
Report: 5,53
